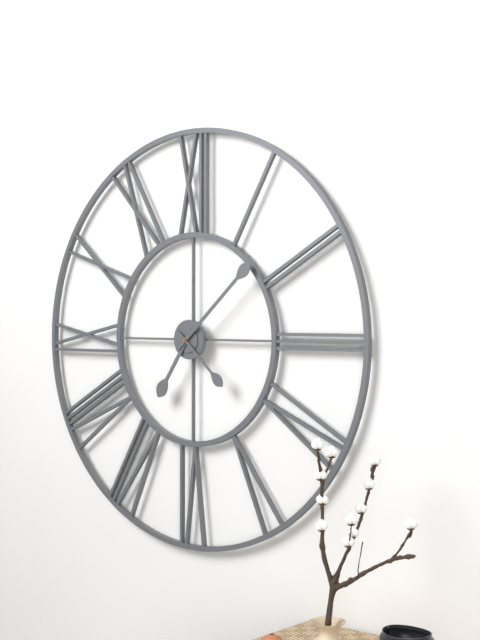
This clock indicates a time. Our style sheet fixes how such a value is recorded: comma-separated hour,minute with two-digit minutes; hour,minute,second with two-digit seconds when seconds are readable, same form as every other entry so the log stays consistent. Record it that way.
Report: 7,08,22
